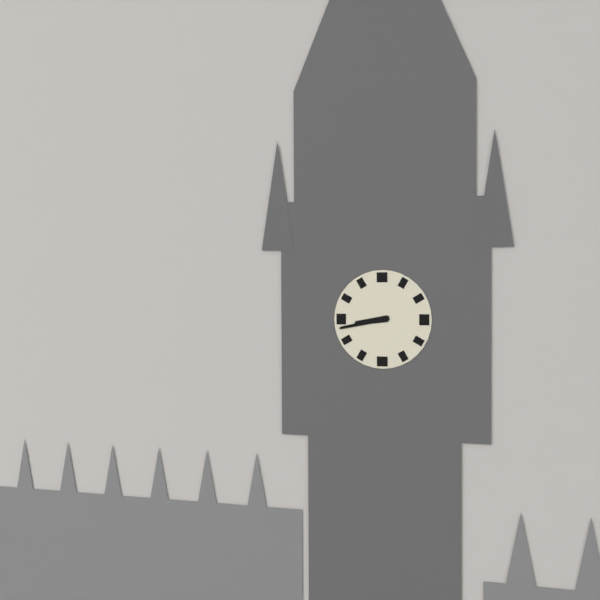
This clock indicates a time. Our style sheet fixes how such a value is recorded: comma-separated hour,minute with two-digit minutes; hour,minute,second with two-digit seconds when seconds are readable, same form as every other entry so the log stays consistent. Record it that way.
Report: 8,43
